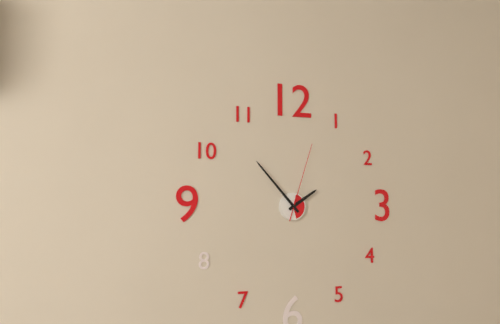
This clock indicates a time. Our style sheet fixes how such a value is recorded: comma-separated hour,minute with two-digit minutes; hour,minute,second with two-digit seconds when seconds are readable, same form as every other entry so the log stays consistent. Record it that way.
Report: 1,53,03
